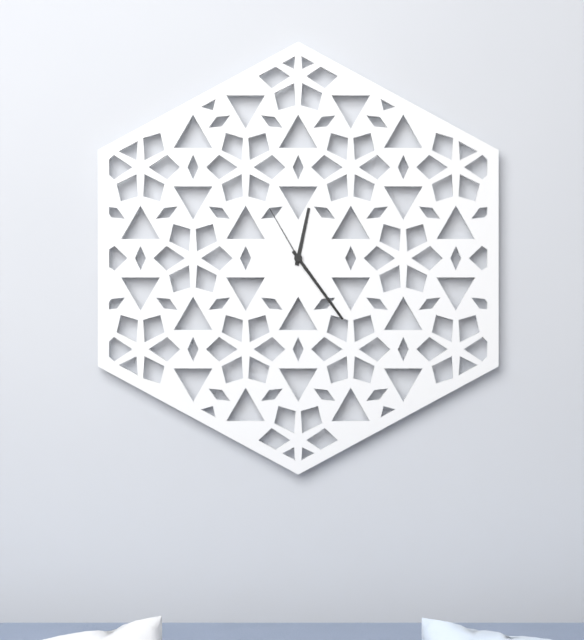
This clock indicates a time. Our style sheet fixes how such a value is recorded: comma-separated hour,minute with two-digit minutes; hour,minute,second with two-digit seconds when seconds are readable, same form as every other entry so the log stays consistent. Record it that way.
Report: 12,24,55
